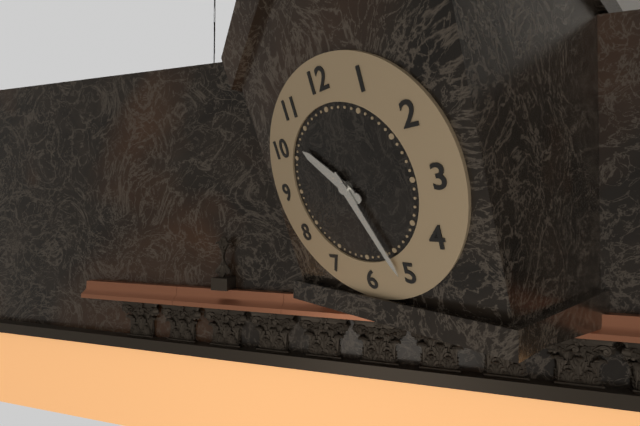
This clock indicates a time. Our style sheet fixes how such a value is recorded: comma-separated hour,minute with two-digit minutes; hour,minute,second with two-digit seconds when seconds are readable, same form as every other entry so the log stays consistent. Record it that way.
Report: 10,26
